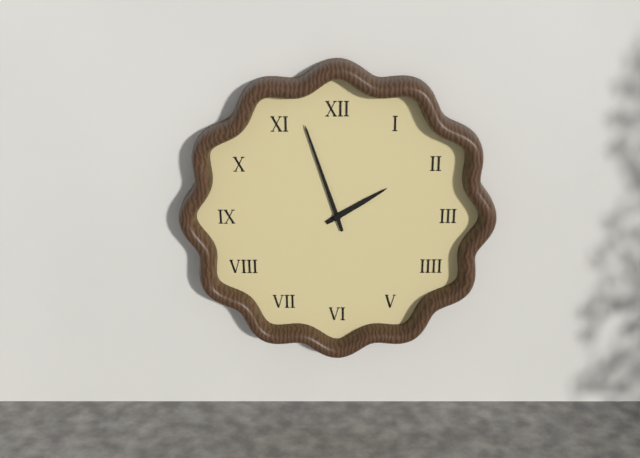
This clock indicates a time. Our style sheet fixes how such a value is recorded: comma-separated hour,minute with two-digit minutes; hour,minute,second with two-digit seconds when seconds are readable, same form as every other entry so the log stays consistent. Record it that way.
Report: 1,57
